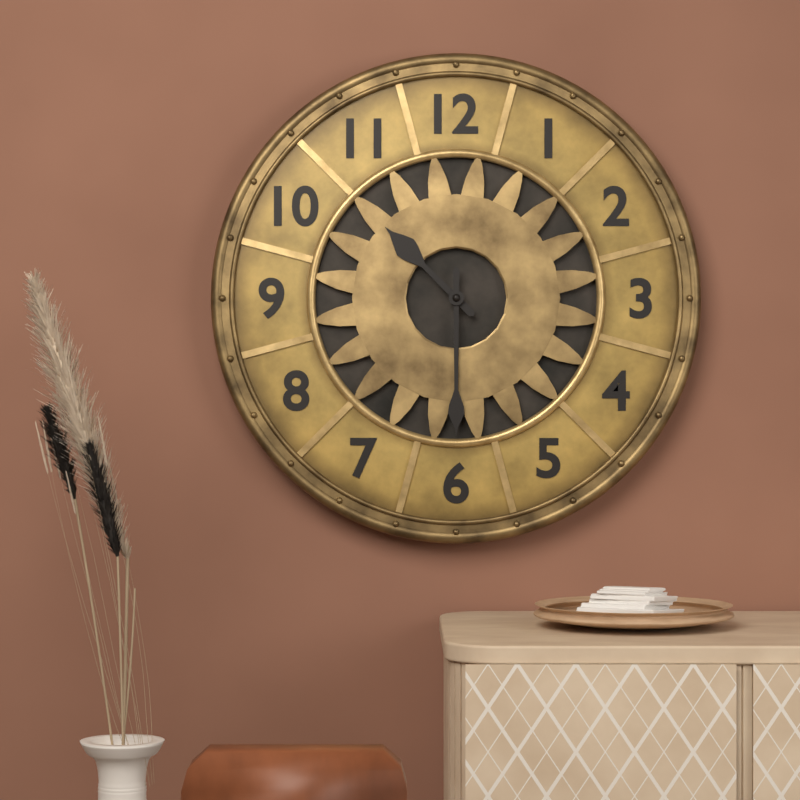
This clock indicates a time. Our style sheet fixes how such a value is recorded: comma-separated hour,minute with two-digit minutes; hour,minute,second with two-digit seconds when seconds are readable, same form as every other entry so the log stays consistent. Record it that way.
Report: 10,30
